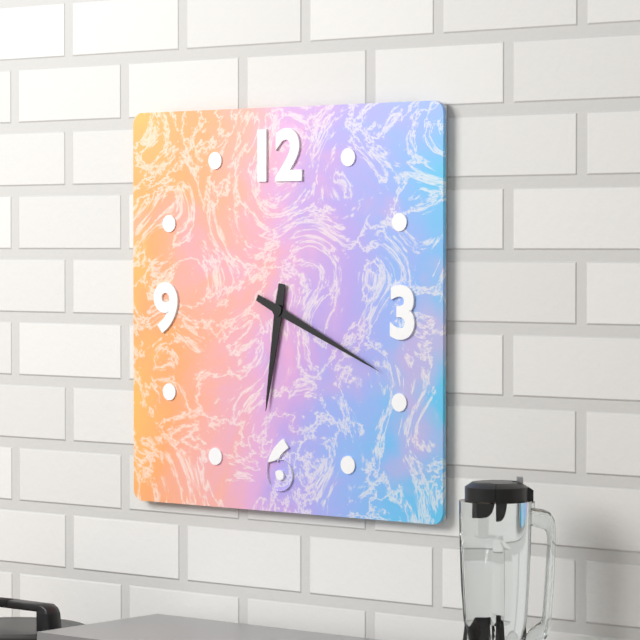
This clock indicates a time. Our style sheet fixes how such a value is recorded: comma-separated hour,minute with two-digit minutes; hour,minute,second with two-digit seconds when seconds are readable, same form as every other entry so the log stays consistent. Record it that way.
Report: 6,19
